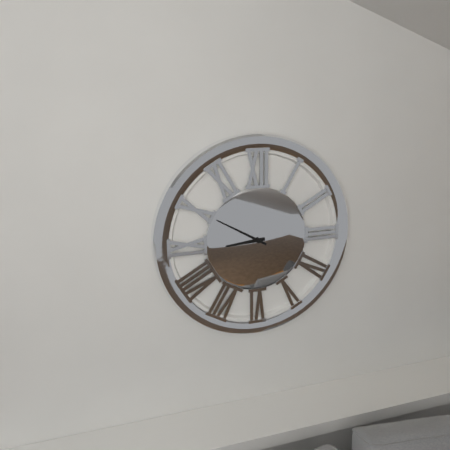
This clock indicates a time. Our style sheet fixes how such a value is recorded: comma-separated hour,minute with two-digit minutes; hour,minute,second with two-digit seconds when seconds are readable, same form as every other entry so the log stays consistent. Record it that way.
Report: 8,50
